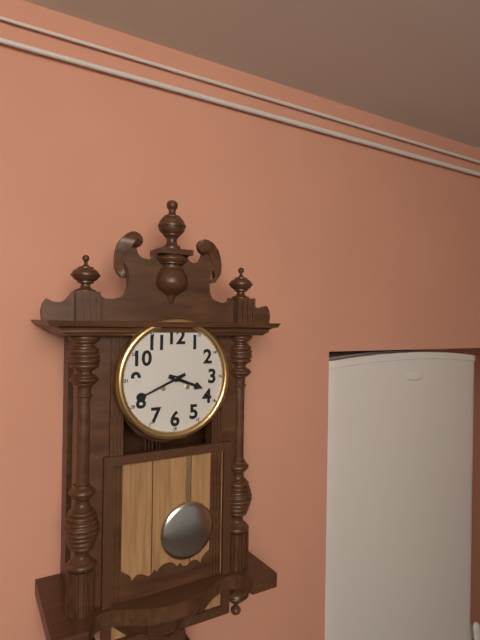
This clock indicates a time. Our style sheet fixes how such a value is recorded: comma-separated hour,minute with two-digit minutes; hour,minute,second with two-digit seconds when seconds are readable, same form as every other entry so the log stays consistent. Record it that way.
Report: 3,41
